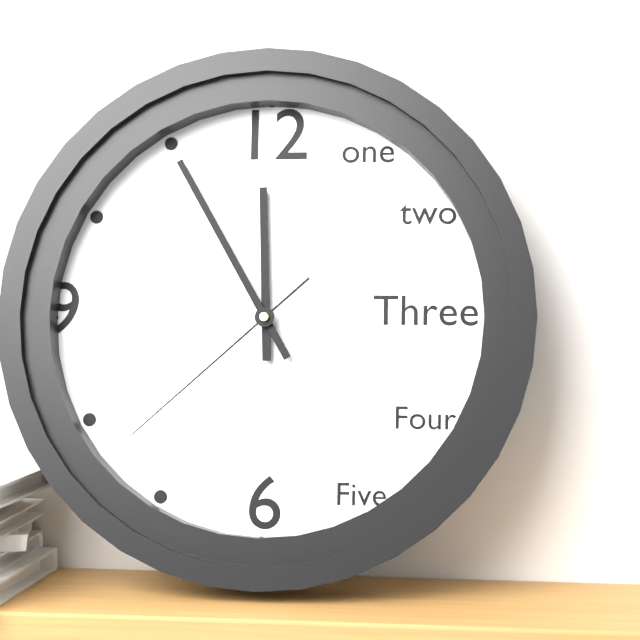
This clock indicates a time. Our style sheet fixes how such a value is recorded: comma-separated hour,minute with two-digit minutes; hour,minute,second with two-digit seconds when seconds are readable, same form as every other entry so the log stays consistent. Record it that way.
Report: 11,55,38
